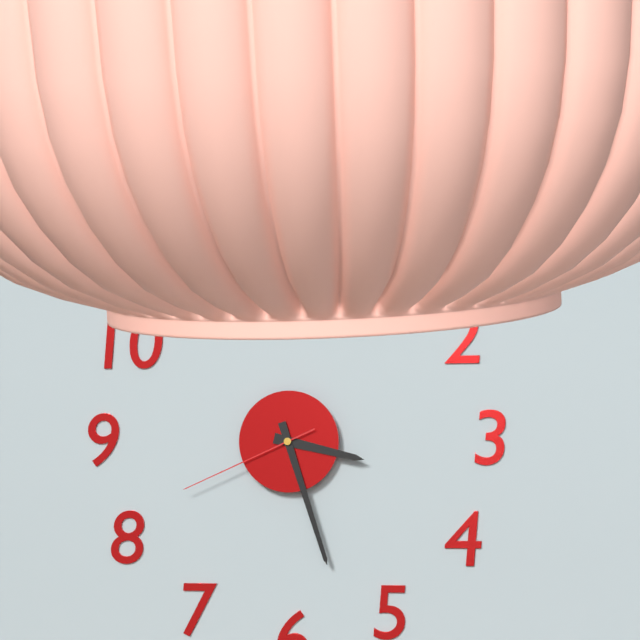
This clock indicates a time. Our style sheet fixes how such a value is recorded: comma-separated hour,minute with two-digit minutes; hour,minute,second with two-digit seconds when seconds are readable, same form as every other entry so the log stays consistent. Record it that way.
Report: 3,27,41
